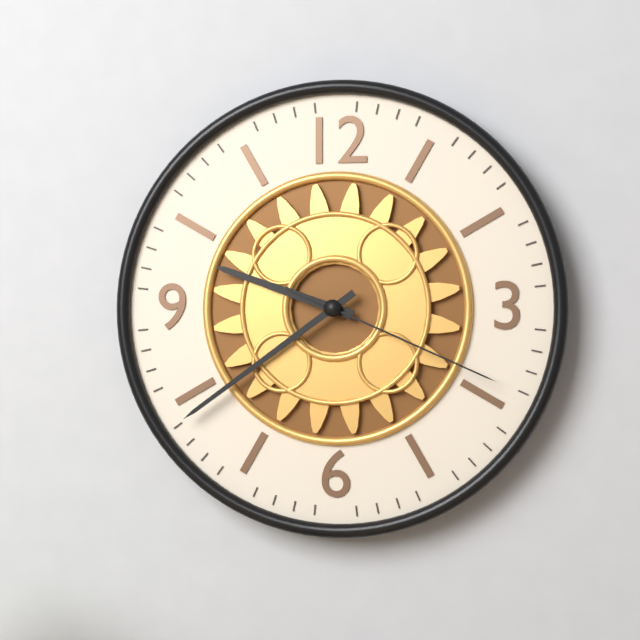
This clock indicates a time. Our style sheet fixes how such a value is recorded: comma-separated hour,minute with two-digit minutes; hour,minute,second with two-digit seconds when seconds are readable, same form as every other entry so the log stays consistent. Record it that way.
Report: 9,39,19
